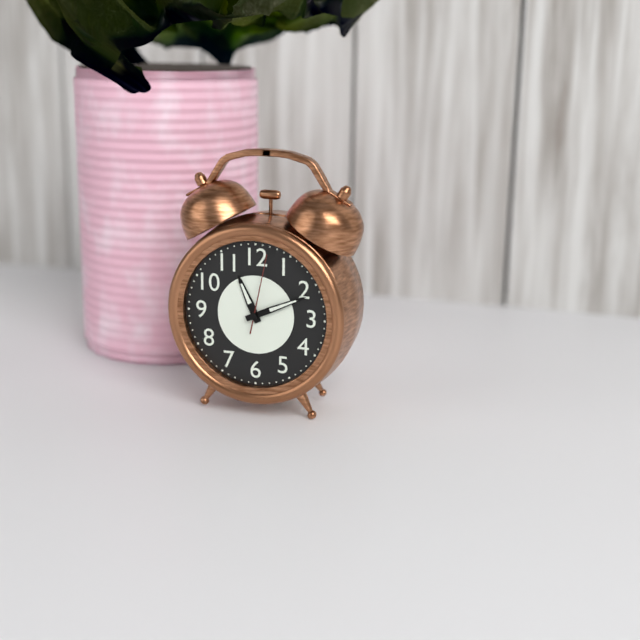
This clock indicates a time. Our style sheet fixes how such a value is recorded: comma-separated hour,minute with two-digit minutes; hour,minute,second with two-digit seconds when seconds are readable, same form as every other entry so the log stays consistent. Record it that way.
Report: 11,11,02
